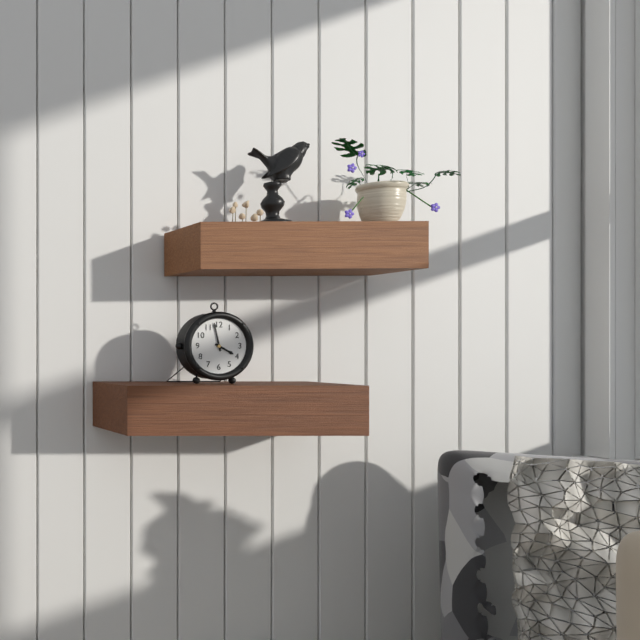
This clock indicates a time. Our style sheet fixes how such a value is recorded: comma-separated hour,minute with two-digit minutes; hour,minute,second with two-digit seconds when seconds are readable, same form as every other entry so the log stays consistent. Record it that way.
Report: 3,58
